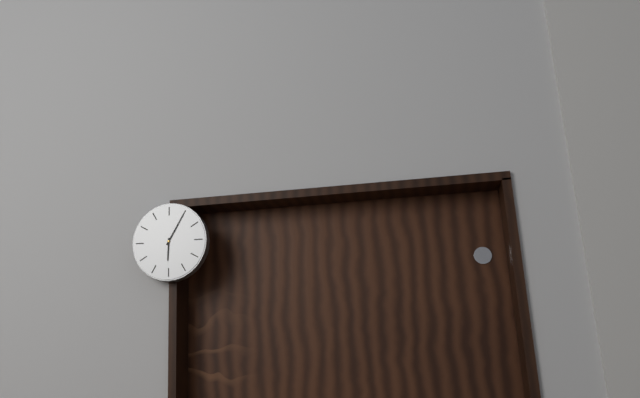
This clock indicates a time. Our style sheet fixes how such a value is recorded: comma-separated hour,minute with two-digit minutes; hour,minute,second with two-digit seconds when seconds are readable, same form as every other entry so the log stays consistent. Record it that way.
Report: 6,05
